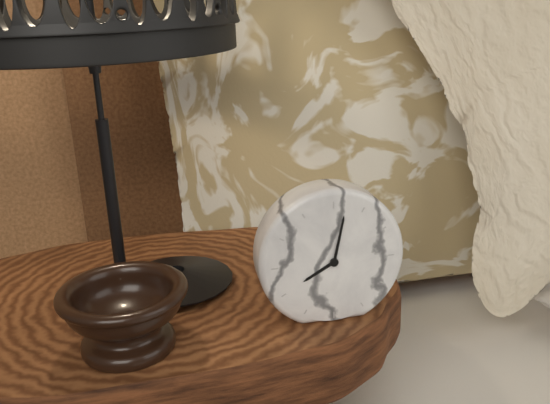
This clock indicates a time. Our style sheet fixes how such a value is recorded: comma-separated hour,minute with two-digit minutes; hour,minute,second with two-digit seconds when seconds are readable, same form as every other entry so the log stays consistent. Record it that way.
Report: 8,02
